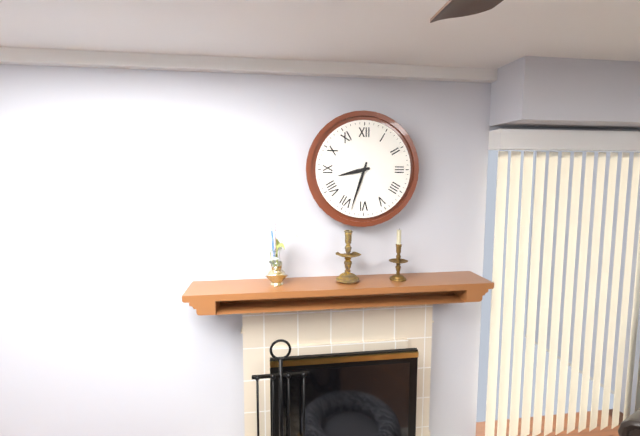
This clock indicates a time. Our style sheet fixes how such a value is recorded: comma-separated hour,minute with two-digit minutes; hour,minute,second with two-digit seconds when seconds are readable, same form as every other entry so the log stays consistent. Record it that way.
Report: 8,33
